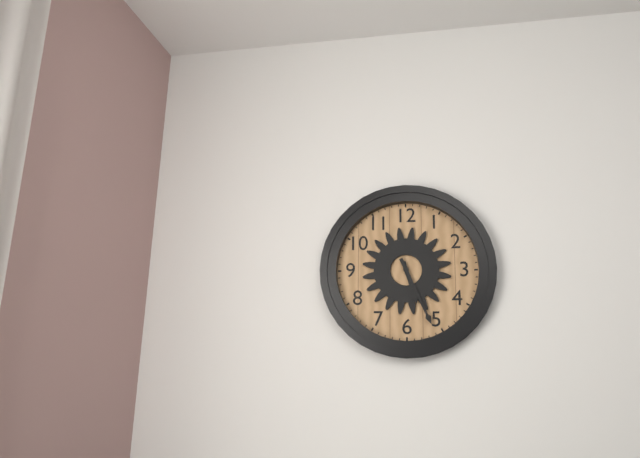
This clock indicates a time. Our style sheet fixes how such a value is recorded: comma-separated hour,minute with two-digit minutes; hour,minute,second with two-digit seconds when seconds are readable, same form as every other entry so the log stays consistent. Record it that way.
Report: 5,26
